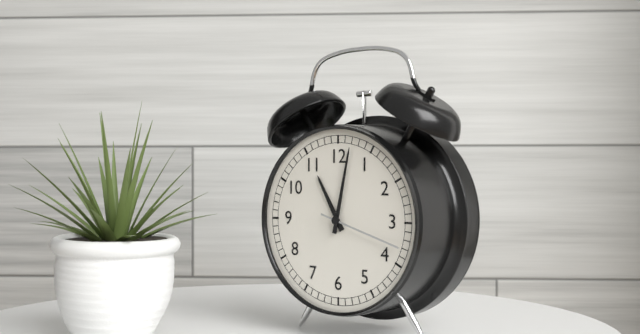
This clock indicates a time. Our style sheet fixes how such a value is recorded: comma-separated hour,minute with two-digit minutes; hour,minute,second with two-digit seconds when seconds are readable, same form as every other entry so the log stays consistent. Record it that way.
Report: 11,02,18
